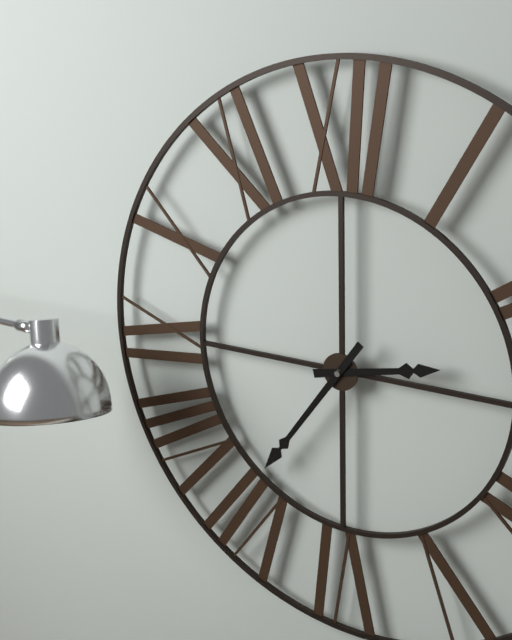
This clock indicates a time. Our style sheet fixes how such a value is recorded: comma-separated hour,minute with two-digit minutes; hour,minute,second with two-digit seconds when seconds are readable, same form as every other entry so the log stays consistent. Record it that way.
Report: 2,36
